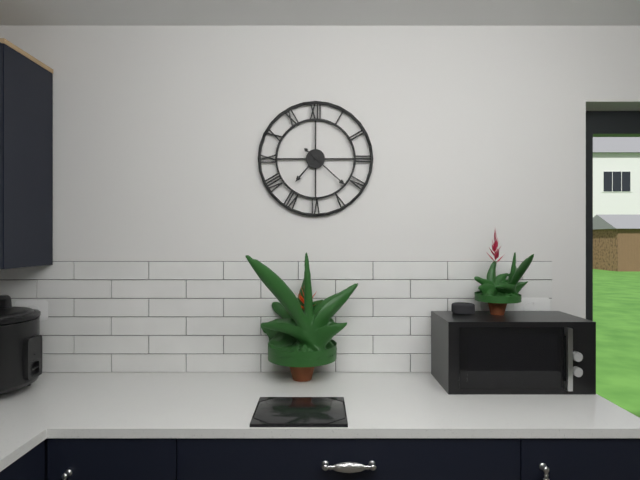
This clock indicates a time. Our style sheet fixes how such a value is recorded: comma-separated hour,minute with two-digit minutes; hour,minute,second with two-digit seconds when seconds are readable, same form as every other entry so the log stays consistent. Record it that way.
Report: 7,22
